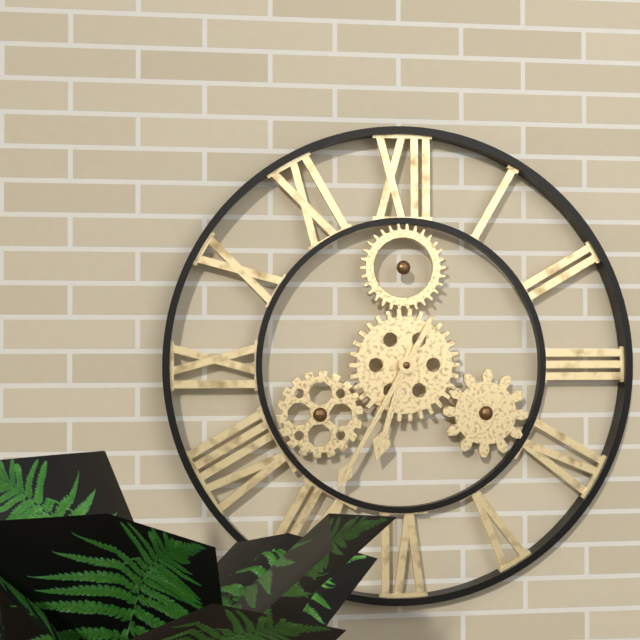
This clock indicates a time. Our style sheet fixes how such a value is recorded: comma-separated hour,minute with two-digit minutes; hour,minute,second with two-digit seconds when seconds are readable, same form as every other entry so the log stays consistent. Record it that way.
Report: 6,35
